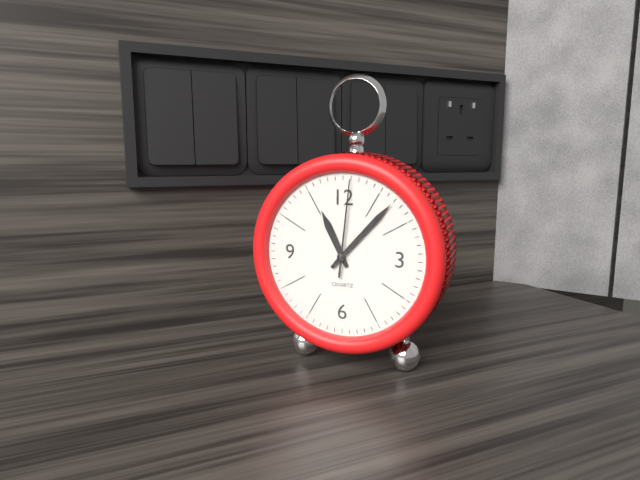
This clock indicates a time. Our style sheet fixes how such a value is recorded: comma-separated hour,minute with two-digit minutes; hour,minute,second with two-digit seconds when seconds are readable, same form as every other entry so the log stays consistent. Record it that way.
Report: 11,07,01
